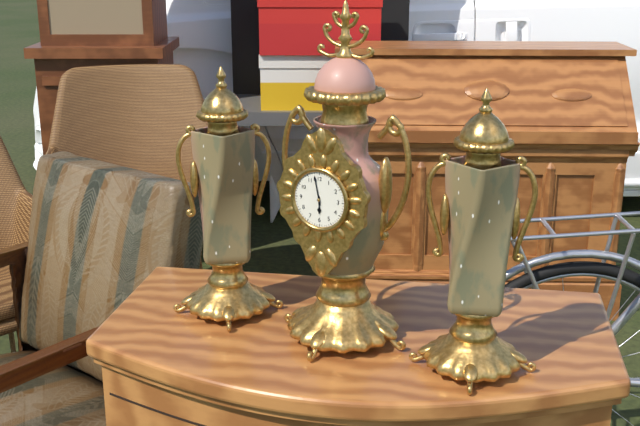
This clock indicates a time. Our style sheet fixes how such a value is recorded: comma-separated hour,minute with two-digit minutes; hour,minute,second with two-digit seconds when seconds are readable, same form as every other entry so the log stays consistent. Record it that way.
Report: 5,58
